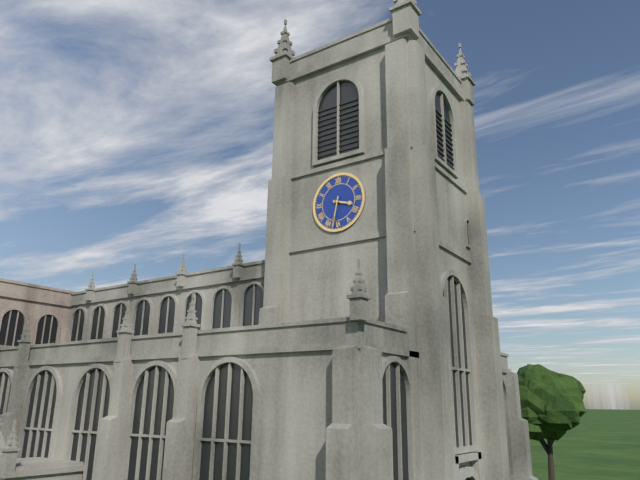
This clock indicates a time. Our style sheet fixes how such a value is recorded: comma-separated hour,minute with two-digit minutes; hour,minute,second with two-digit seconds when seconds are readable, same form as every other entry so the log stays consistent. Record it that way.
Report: 3,32
